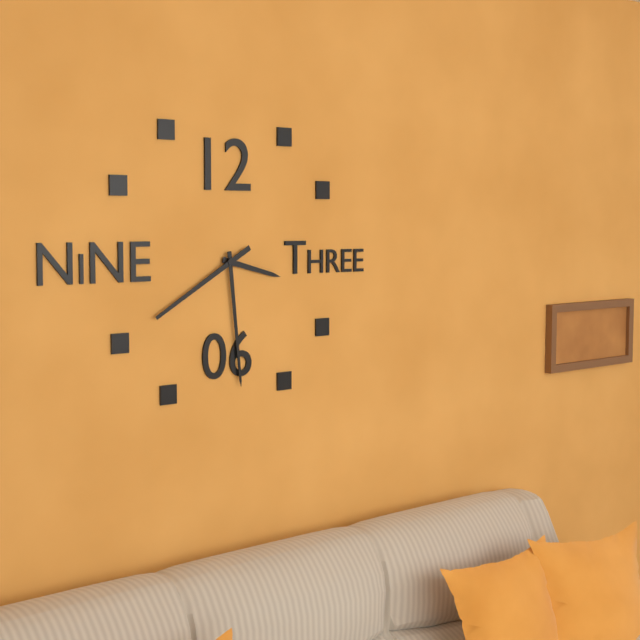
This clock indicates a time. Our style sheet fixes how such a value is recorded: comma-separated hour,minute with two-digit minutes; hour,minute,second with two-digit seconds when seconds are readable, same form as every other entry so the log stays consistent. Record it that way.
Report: 3,29,40
